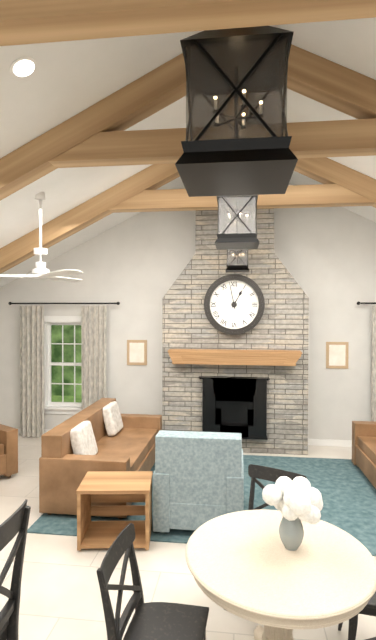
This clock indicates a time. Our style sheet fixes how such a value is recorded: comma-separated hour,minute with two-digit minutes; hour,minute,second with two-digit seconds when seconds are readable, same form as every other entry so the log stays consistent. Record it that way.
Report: 12,58
